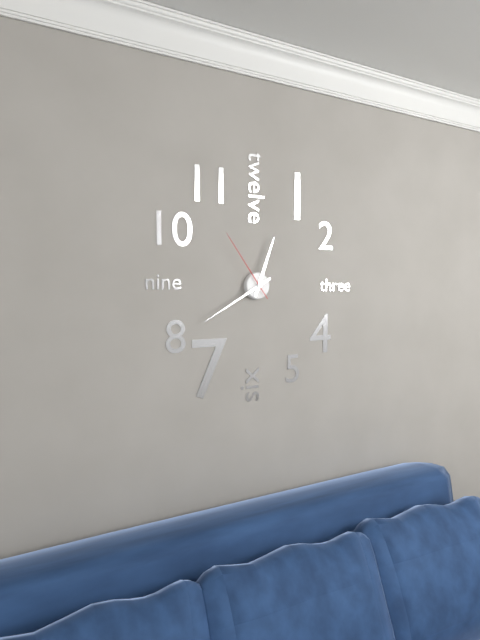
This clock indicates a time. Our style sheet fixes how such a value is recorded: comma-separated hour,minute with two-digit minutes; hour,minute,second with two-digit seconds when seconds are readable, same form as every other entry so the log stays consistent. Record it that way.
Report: 12,40,54
